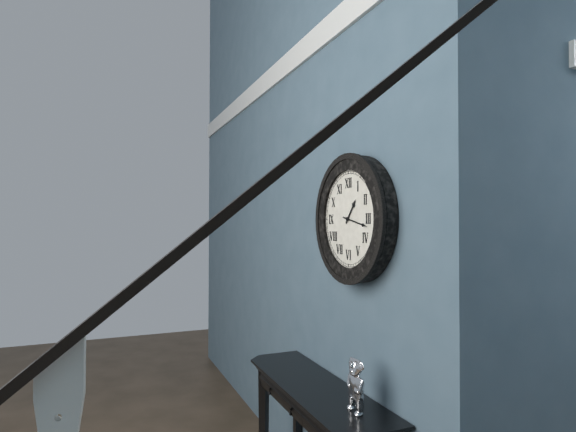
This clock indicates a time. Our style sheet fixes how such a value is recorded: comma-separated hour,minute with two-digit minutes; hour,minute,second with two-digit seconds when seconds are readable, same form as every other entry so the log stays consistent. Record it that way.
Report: 1,17
